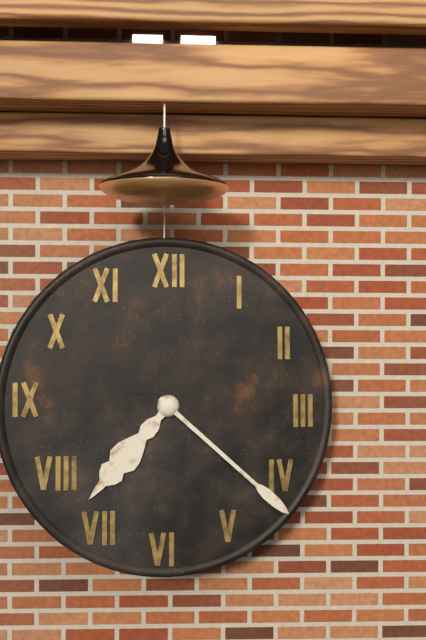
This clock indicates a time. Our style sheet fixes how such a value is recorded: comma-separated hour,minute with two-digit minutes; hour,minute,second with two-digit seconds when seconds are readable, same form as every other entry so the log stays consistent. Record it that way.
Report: 7,22
